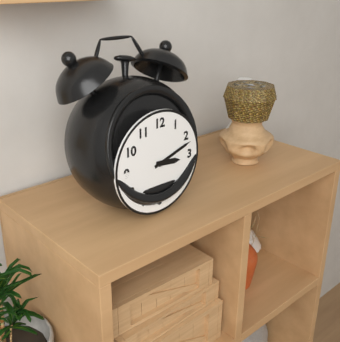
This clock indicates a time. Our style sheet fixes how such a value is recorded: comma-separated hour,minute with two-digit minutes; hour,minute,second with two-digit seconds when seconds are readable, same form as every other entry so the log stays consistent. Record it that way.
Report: 3,12
